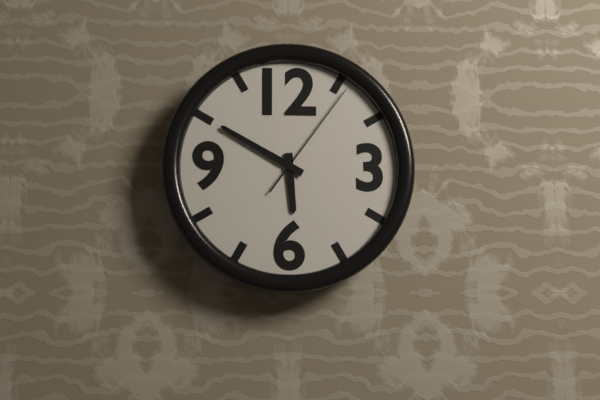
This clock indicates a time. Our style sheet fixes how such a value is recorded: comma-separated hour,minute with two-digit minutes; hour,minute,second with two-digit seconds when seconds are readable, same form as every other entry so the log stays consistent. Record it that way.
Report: 5,50,06
